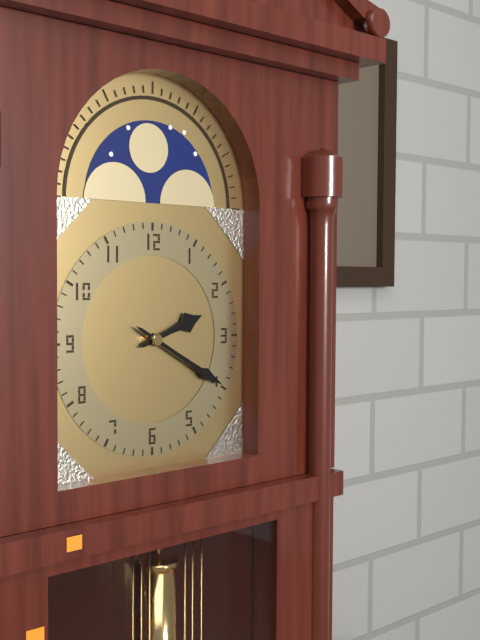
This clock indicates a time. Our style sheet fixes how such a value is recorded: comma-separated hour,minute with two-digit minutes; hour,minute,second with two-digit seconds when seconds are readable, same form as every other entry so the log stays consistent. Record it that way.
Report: 2,20
